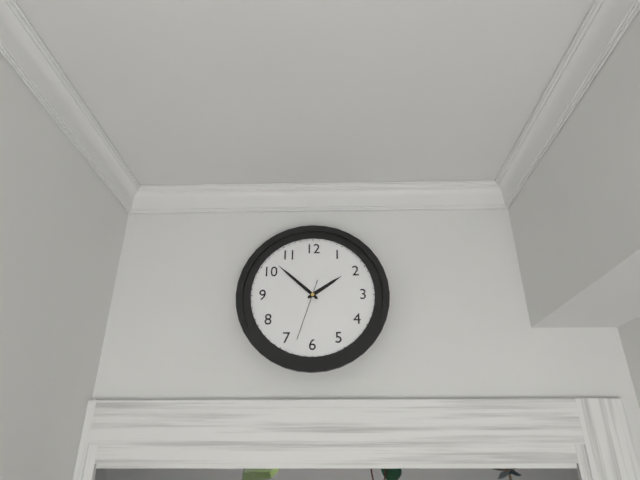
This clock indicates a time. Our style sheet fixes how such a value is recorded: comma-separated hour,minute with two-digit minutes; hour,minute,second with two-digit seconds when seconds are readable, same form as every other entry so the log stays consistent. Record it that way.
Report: 1,52,33
